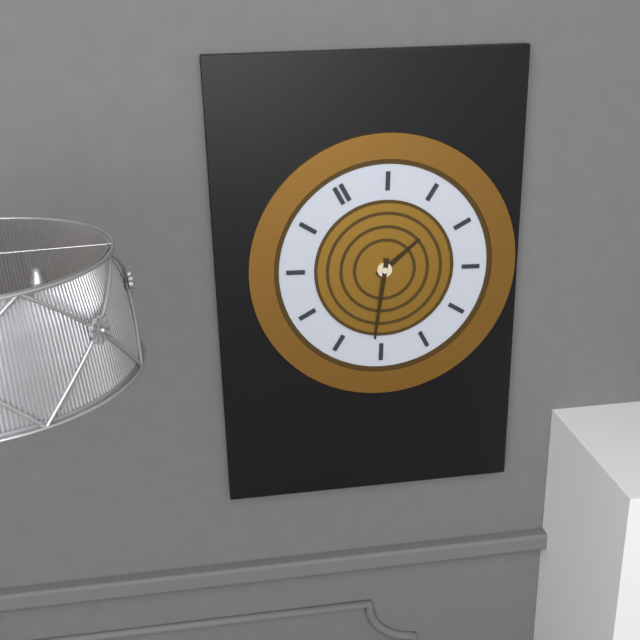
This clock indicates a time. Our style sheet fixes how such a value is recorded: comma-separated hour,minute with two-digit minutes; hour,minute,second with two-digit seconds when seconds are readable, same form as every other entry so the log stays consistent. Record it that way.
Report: 2,36
